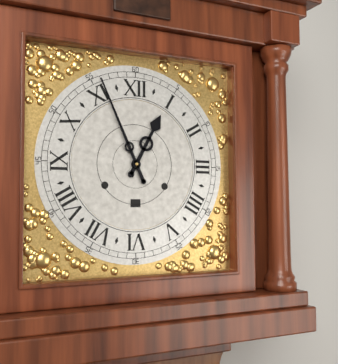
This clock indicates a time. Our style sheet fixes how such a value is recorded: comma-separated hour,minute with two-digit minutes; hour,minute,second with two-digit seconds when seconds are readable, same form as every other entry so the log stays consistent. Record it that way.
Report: 12,56
